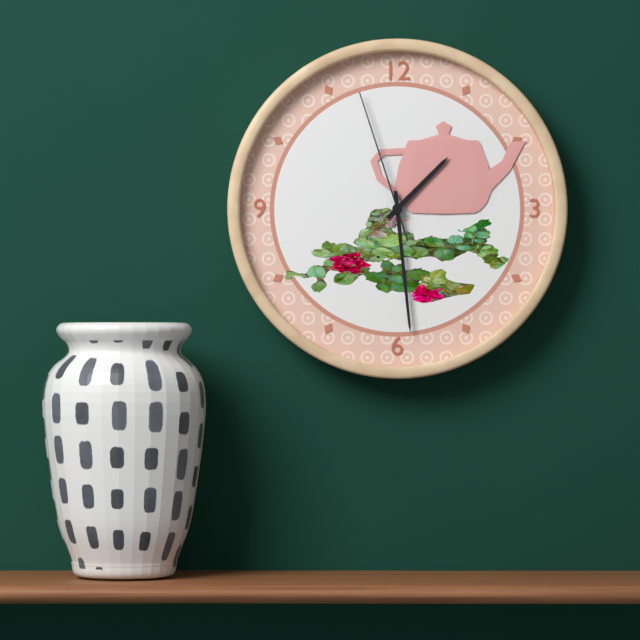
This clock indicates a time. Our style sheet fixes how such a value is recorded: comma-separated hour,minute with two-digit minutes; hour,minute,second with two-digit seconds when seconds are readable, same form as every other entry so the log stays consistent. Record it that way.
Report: 1,29,57
